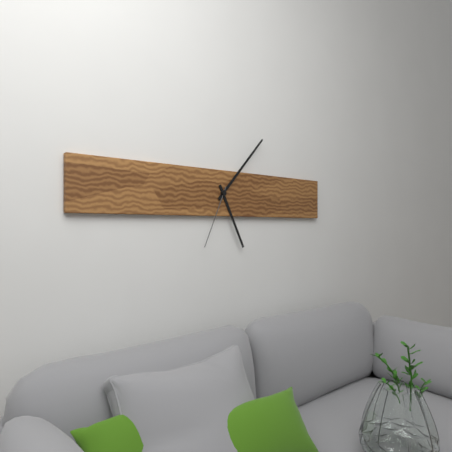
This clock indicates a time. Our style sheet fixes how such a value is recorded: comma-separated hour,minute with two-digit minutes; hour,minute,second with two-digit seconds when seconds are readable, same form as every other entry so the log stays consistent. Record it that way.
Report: 5,07,34
